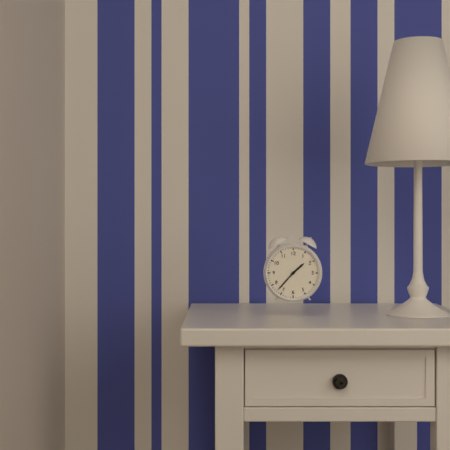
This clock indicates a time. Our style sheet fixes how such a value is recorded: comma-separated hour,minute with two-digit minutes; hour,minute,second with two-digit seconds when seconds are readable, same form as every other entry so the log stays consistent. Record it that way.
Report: 1,37
